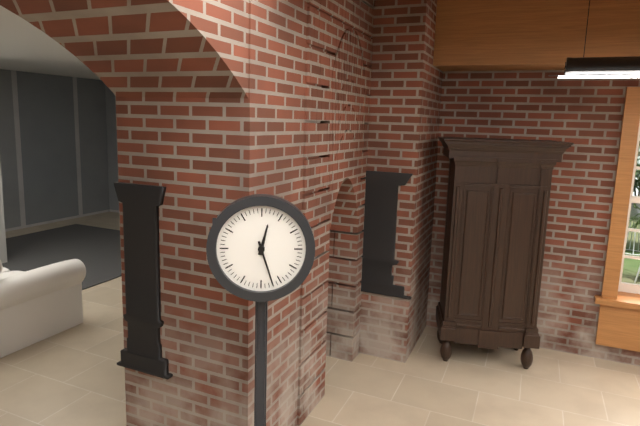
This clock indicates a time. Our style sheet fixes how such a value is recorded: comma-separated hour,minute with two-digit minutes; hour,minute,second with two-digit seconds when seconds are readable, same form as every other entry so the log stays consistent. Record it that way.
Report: 12,27
